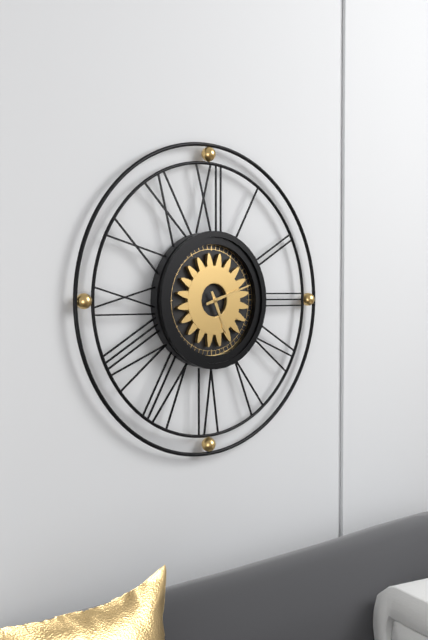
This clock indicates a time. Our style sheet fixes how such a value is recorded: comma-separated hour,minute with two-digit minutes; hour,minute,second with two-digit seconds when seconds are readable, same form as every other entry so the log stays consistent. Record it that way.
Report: 5,12
